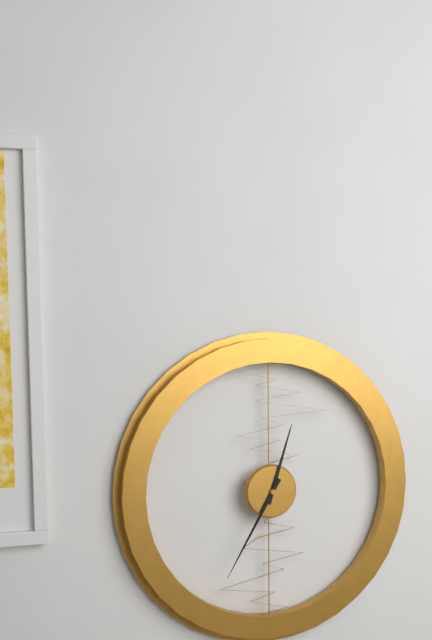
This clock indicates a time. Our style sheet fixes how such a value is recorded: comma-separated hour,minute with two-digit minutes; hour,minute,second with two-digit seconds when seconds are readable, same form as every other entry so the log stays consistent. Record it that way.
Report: 12,35
